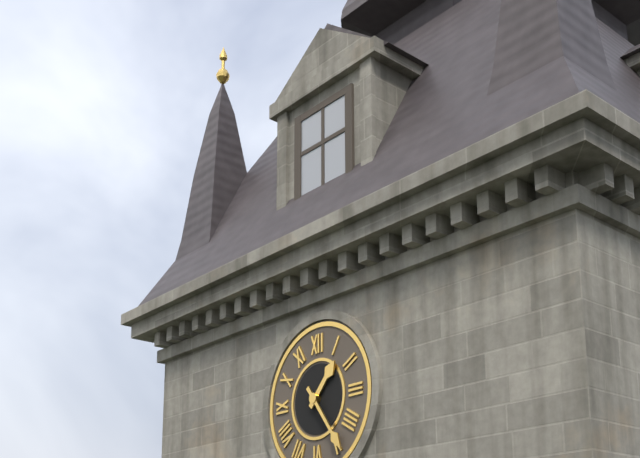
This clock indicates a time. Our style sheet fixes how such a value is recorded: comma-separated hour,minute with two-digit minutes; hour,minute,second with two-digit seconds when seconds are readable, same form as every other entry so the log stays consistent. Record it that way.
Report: 1,24
